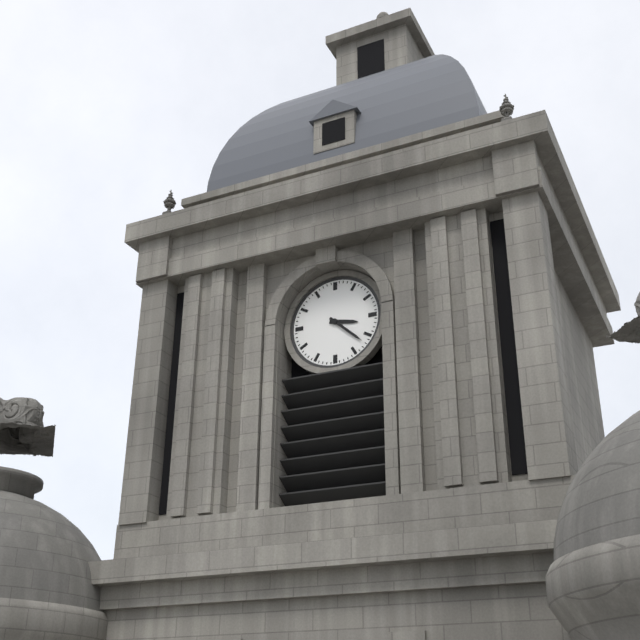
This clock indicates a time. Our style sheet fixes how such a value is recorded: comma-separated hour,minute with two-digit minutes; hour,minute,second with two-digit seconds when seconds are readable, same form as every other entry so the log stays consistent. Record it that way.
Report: 3,22
